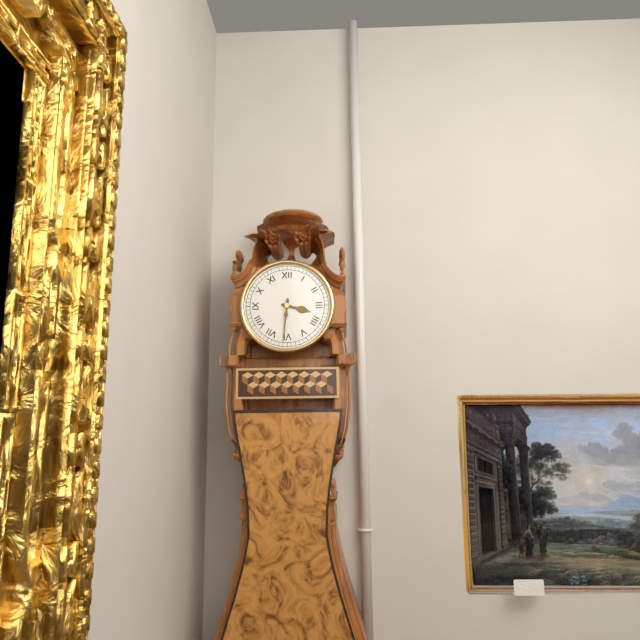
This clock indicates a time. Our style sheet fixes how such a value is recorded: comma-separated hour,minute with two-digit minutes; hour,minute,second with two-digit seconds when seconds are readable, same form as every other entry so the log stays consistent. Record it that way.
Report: 3,31
